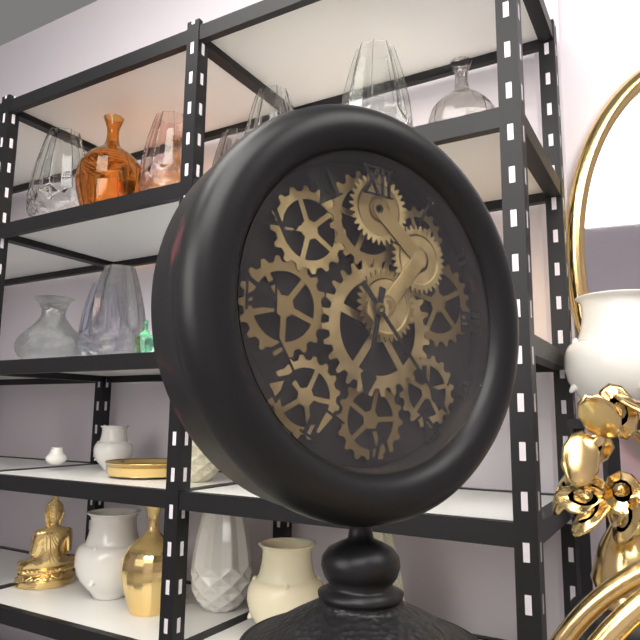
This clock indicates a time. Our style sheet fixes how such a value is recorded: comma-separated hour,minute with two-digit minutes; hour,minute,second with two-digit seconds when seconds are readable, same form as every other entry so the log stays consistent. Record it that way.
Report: 6,23
